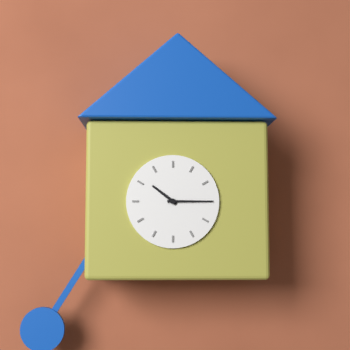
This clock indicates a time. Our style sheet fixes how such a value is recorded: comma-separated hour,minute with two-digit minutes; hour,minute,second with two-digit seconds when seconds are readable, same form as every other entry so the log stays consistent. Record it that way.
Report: 10,15
